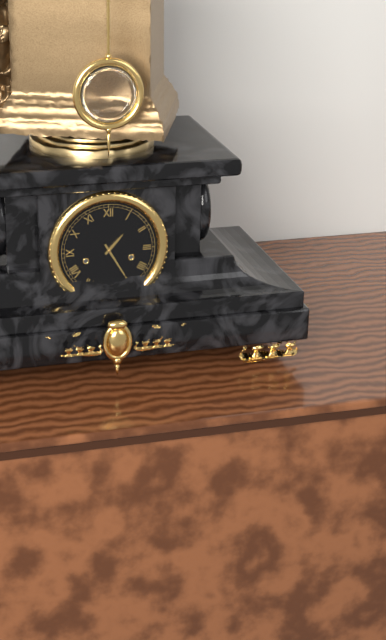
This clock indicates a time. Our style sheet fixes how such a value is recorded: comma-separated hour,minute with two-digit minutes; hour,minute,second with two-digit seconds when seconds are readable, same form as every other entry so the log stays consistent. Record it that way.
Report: 1,25
